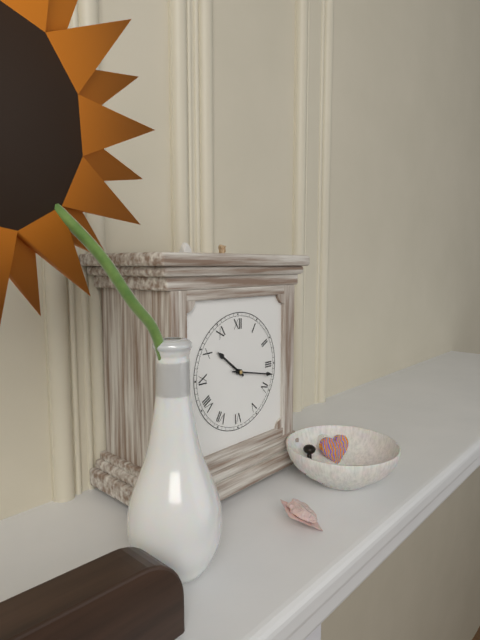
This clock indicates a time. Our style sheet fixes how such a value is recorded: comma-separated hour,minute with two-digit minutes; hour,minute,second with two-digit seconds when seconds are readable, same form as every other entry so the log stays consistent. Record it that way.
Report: 10,17
